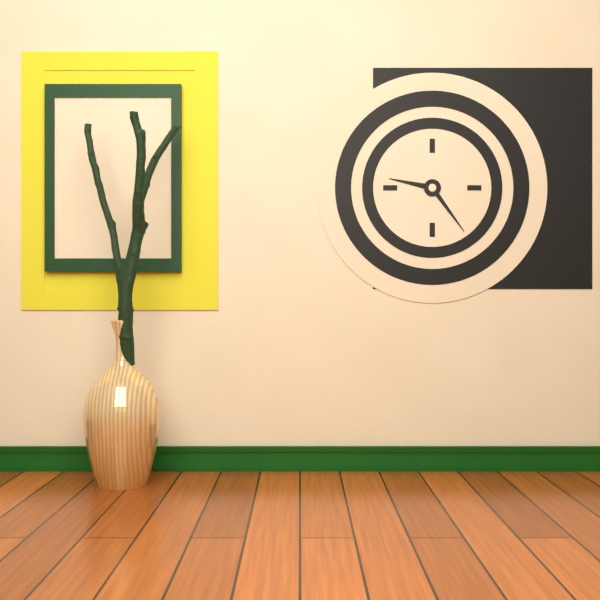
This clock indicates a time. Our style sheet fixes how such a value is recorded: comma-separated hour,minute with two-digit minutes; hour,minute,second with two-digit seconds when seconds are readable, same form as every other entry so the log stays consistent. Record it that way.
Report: 9,24
